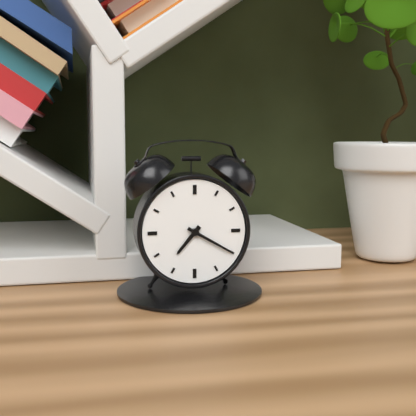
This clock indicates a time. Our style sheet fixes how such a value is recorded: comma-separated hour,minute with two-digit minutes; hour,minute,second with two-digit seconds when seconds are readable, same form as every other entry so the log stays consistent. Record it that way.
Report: 7,20
